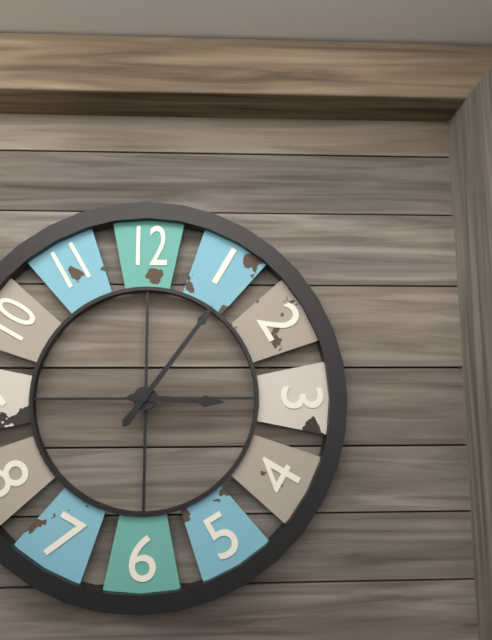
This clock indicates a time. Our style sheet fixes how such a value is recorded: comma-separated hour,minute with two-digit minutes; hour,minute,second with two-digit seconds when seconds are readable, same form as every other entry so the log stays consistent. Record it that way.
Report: 3,06
